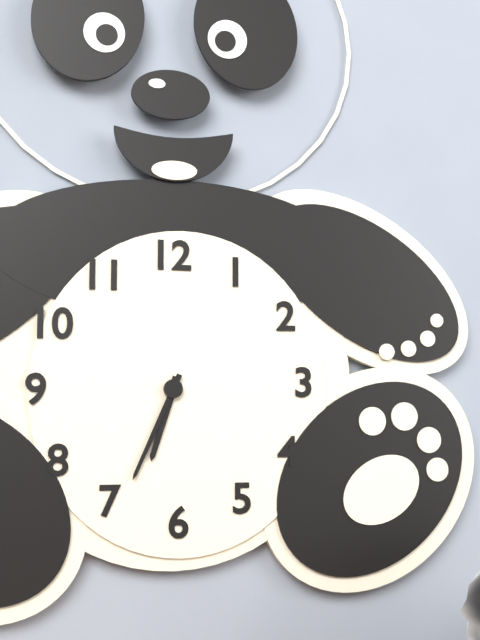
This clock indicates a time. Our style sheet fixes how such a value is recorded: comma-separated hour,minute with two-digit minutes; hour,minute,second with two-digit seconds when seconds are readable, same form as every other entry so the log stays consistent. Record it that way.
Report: 6,34
